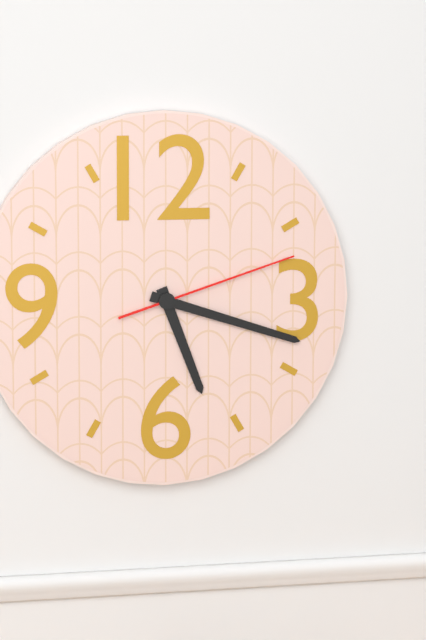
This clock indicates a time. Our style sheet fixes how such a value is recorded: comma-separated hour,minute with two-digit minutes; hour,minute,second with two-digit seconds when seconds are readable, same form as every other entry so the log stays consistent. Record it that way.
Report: 5,18,12
